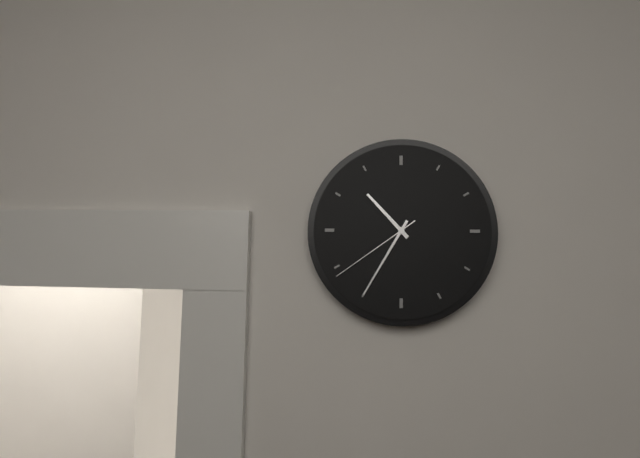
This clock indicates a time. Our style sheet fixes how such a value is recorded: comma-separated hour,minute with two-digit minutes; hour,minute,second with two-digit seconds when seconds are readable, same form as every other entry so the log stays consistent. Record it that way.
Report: 10,35,39
